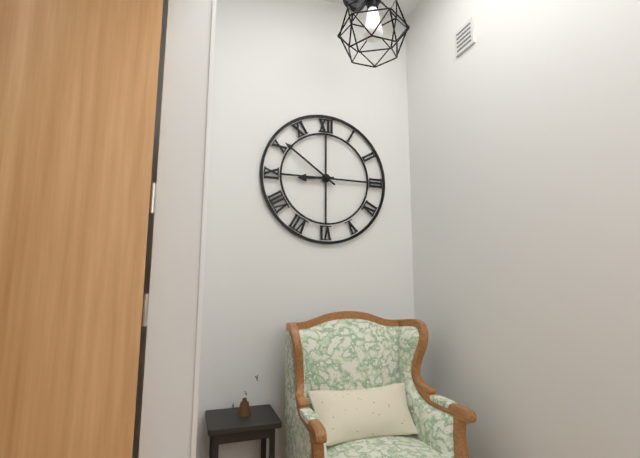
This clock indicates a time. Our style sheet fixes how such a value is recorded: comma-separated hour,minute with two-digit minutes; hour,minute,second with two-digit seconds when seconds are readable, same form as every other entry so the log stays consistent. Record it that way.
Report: 8,51
